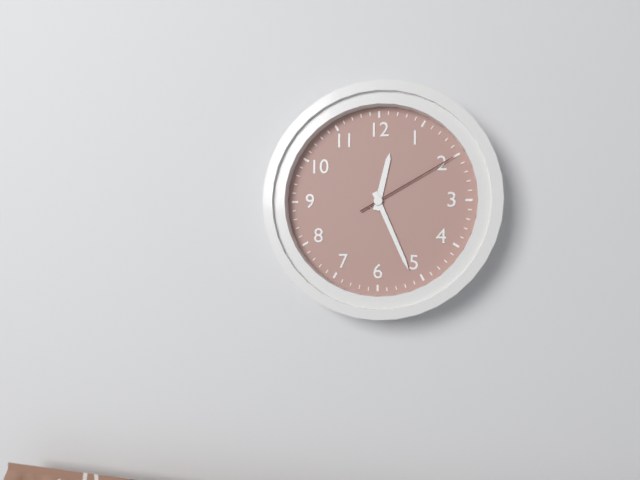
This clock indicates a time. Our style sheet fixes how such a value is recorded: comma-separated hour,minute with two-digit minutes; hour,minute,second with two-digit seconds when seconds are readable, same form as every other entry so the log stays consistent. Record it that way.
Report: 12,26,10
